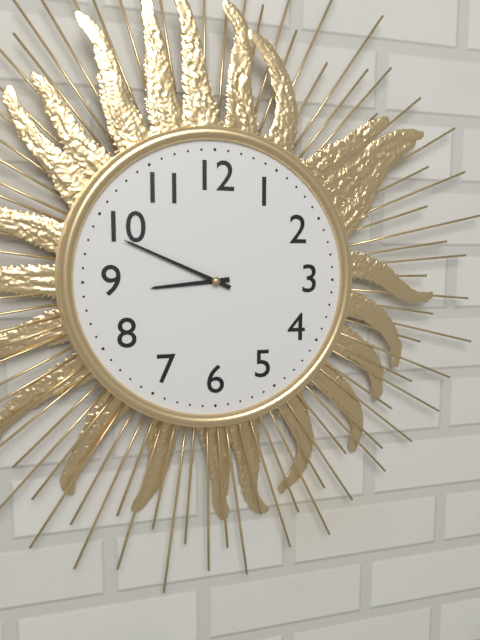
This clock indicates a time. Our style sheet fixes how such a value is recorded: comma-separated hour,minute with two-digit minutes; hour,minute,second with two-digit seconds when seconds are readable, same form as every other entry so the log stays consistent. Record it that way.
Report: 8,49
